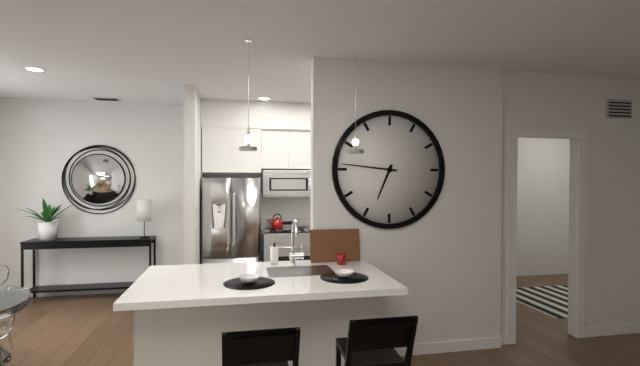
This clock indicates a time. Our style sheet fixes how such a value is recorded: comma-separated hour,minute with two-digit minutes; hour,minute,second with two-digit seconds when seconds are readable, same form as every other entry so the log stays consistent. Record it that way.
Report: 6,46
